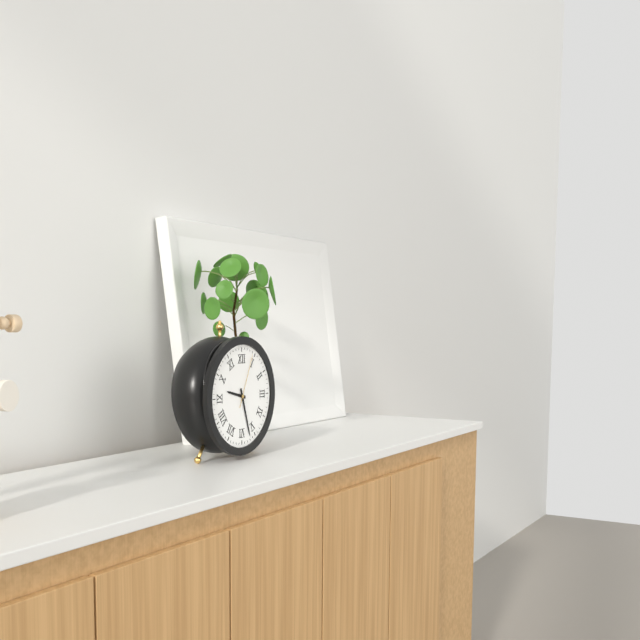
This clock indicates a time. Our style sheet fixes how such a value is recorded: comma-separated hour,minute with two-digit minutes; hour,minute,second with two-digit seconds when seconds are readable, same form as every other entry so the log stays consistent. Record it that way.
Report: 9,27,04
